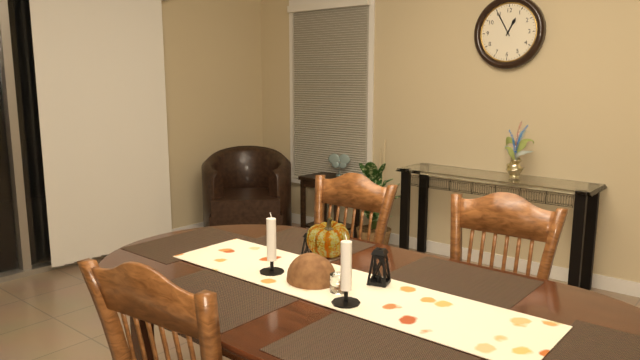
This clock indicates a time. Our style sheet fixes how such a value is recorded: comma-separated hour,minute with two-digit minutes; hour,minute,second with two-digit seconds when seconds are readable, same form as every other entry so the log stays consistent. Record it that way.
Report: 12,55
